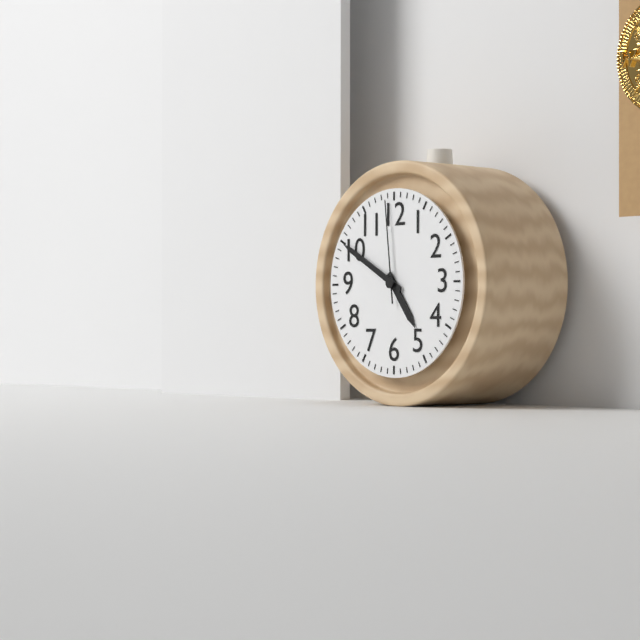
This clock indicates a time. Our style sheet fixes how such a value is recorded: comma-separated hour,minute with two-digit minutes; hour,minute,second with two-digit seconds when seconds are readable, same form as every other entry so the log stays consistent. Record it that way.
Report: 4,50,59
